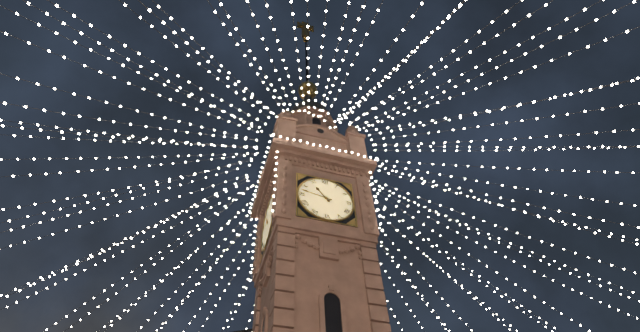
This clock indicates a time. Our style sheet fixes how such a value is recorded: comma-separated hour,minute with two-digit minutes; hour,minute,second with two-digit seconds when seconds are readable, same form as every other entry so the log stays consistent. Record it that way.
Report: 10,47
